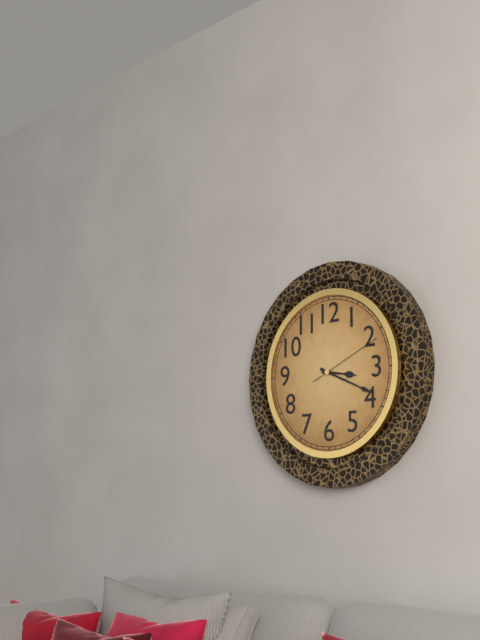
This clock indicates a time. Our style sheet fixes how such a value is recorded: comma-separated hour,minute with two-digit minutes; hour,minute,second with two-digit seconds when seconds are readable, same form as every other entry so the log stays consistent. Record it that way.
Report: 3,19,11
